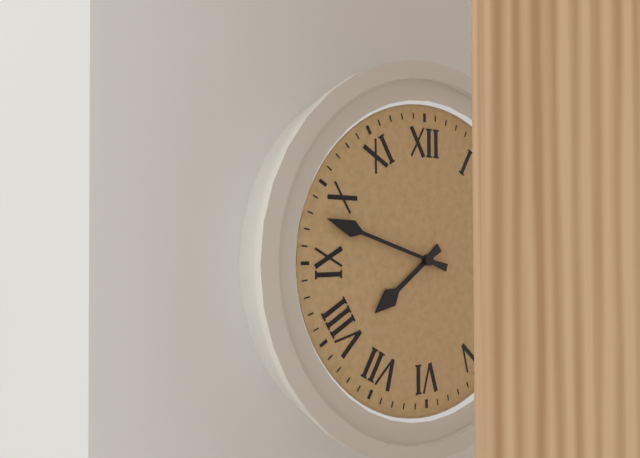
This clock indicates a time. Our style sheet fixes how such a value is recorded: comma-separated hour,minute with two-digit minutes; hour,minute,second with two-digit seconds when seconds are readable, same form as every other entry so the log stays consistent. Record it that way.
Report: 7,48
